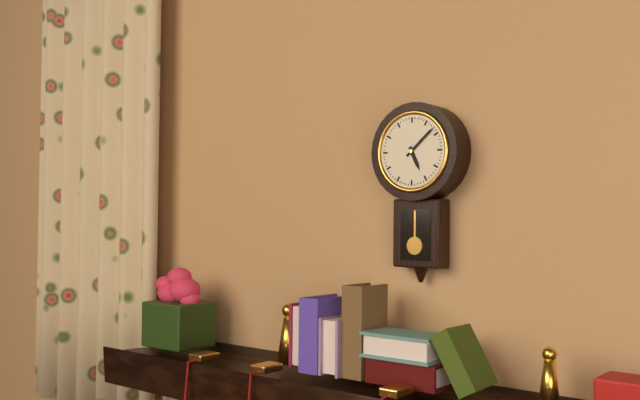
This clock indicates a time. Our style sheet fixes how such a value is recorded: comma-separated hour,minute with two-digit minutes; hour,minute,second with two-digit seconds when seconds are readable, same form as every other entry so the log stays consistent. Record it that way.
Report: 5,08
